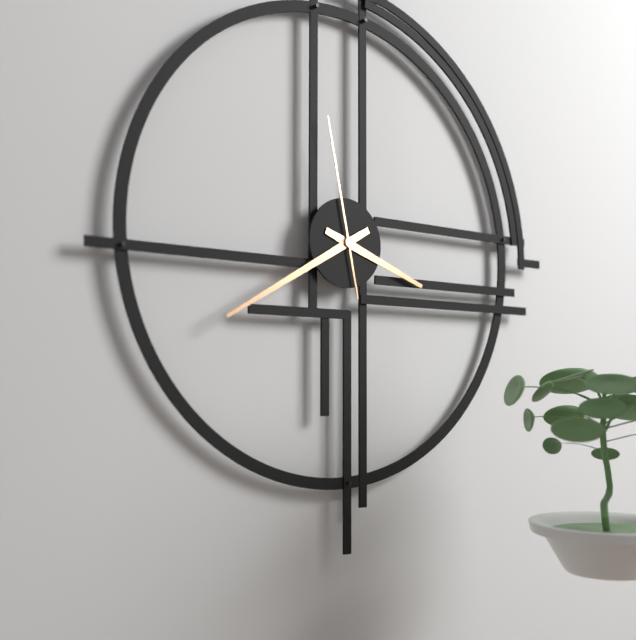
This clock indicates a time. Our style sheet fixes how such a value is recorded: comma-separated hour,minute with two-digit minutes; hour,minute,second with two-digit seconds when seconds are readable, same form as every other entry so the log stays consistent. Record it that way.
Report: 3,40,58
